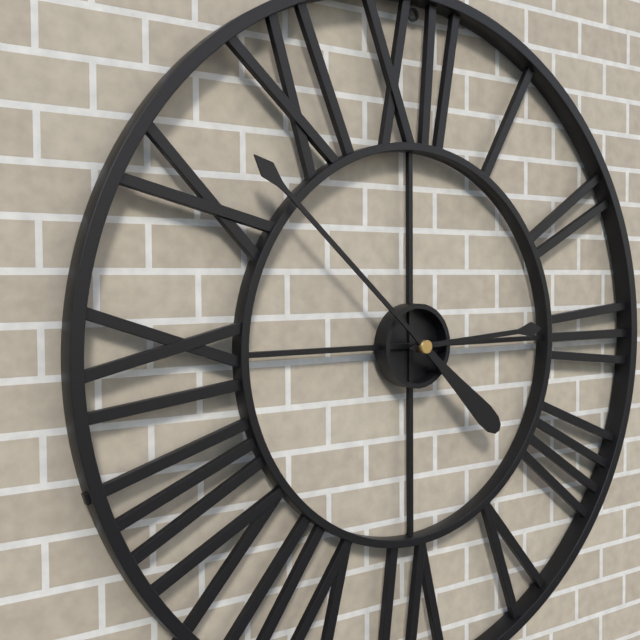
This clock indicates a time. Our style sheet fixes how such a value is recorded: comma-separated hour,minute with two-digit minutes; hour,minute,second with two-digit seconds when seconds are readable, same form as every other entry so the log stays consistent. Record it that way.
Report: 2,52
